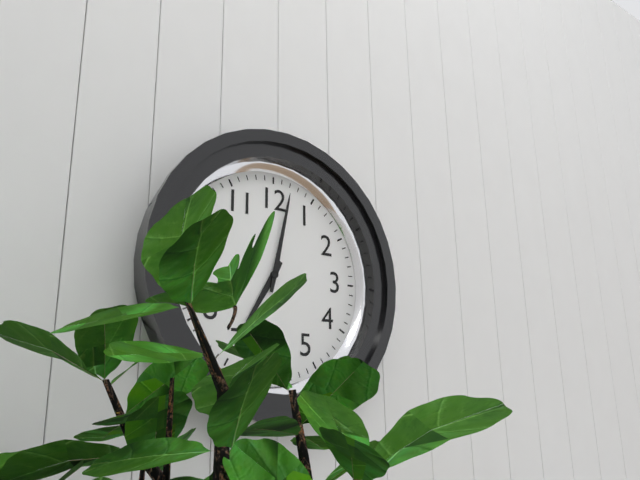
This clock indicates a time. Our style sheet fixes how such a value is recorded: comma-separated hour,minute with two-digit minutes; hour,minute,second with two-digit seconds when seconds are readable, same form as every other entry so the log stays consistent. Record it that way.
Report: 7,02
